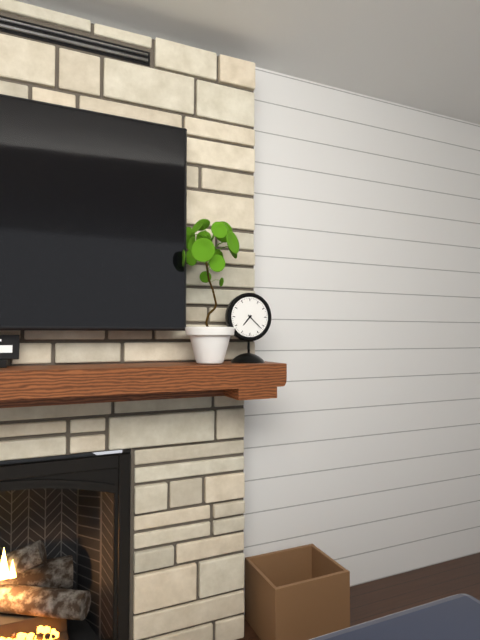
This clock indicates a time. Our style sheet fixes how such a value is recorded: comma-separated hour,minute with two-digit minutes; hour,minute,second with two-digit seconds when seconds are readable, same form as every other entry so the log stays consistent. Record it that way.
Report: 7,22
